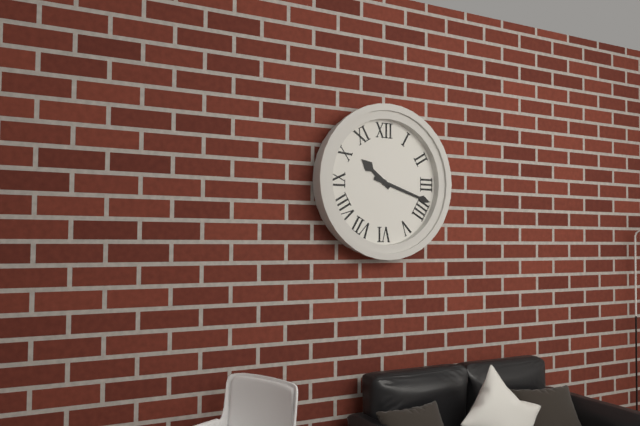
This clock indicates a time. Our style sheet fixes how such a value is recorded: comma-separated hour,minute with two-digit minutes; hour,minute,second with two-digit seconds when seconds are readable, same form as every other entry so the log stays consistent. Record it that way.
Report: 10,18
